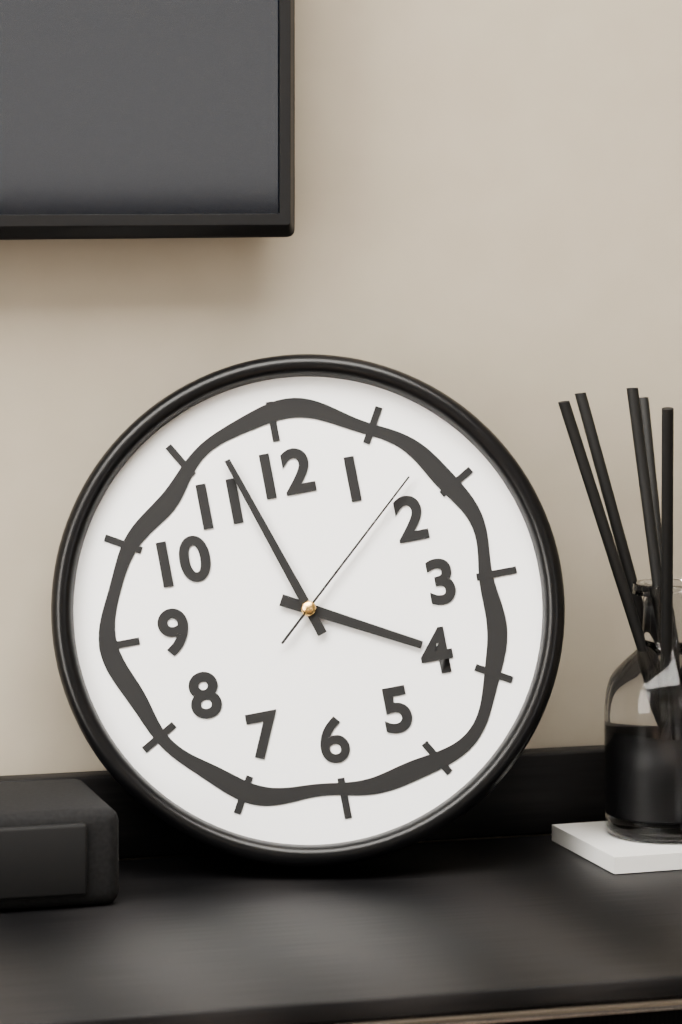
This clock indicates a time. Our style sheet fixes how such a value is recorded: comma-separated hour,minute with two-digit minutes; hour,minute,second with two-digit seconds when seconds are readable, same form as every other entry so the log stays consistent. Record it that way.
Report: 3,57,08
